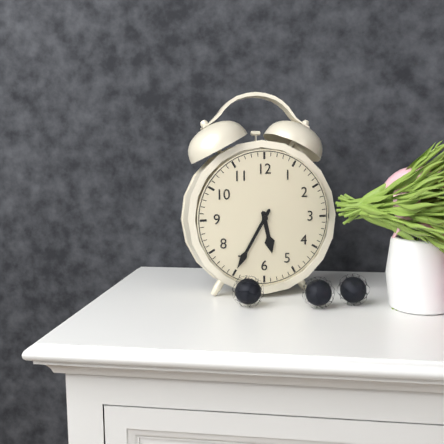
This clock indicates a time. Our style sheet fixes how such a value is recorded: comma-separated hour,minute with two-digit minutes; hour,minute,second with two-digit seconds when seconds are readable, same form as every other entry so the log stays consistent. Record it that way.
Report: 5,35
